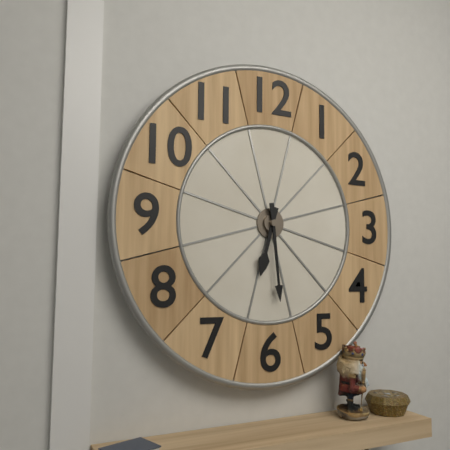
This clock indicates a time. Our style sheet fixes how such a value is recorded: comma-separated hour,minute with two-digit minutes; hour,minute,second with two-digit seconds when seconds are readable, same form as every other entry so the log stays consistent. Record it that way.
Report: 6,29
